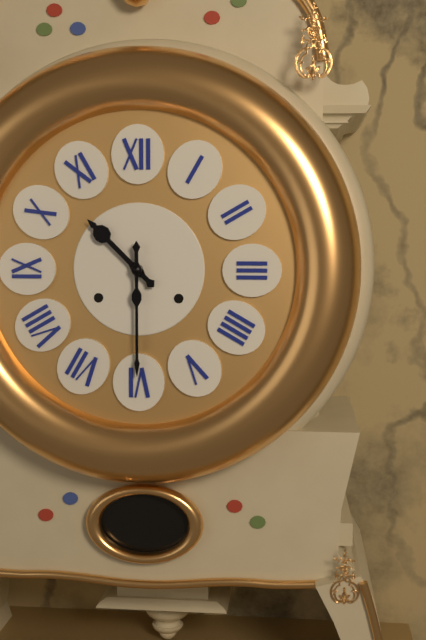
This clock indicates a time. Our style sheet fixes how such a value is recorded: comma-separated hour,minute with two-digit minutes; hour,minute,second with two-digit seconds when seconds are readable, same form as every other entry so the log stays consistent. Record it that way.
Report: 10,30
